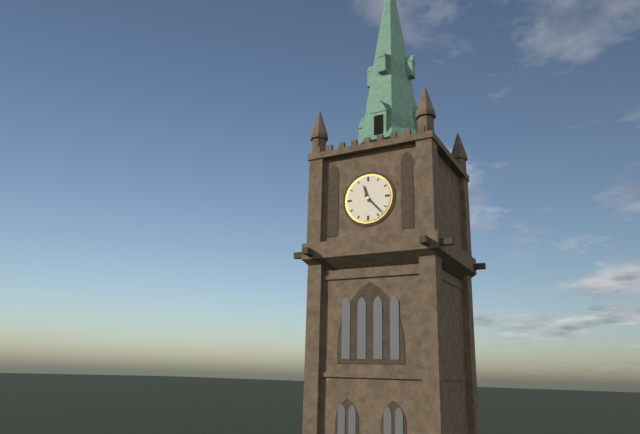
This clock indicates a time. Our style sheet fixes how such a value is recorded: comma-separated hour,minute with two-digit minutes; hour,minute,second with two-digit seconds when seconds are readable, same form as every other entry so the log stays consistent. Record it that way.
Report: 11,23
